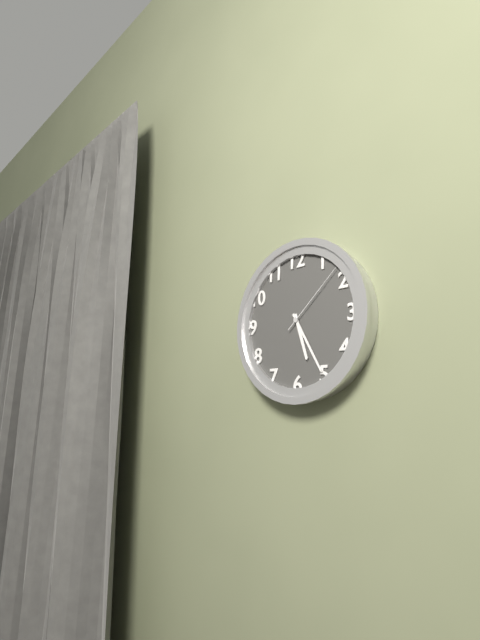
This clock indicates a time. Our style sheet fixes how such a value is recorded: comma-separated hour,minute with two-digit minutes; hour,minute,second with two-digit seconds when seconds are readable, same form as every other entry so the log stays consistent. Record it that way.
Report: 5,25,08
